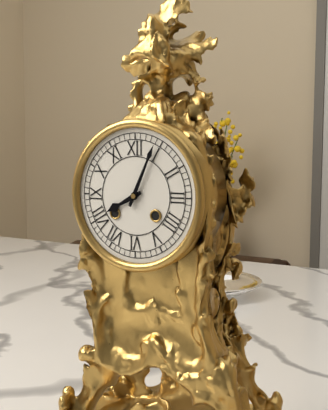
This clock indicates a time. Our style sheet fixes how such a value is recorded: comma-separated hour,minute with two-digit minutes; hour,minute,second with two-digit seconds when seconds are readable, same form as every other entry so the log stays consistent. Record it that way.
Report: 8,04
